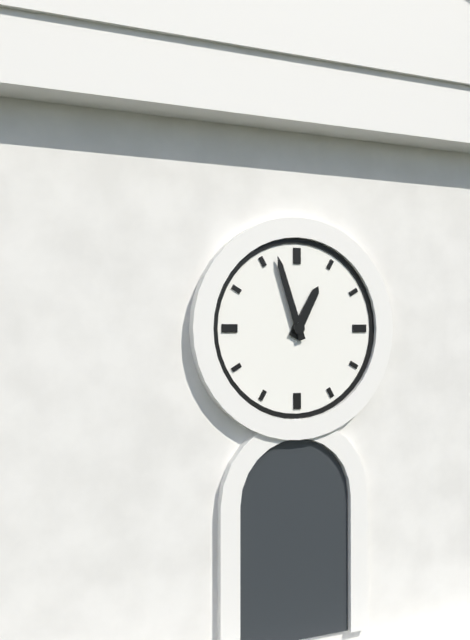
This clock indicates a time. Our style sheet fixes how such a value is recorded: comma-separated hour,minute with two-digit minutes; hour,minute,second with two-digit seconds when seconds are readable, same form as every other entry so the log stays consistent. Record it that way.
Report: 12,57
